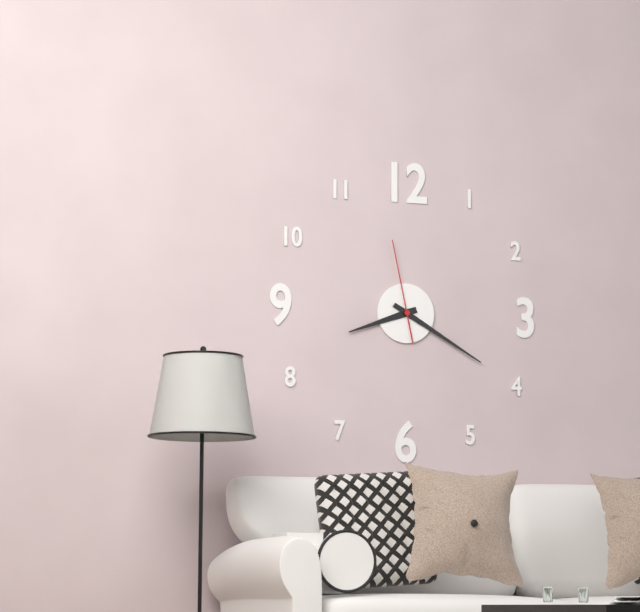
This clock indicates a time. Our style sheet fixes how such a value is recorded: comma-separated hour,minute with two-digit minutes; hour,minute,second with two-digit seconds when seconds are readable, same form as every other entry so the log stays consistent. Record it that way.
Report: 8,20,58
